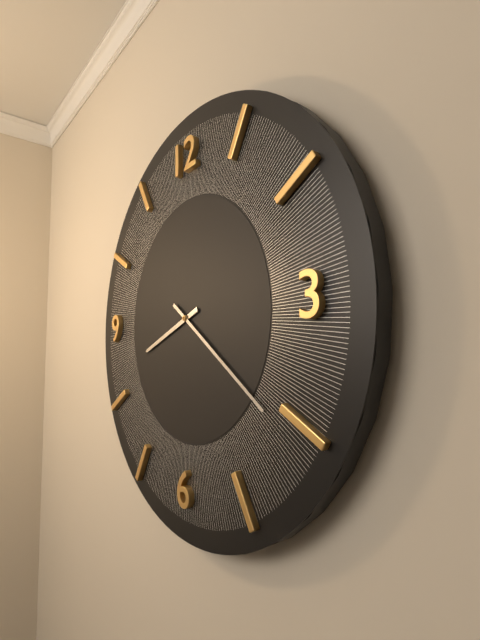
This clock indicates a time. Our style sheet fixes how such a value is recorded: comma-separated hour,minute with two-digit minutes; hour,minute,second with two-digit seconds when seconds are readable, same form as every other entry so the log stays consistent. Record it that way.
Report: 8,21
